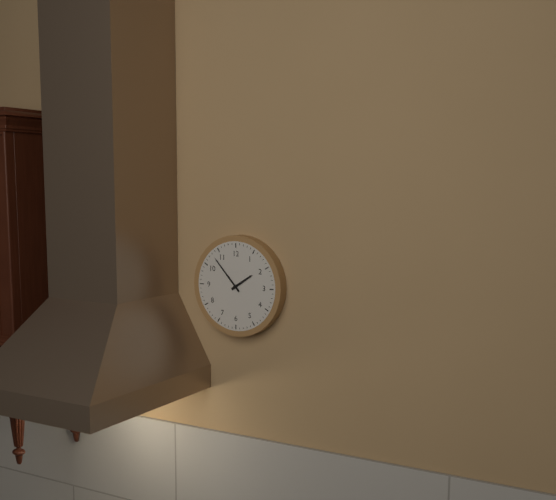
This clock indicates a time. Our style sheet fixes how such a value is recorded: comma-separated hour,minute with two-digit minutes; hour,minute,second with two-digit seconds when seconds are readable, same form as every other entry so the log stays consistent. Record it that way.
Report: 1,53
